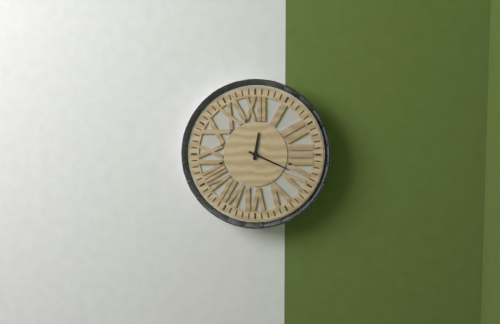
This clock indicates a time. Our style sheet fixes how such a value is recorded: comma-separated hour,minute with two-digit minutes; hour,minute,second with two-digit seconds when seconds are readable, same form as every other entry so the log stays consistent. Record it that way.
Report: 12,19
